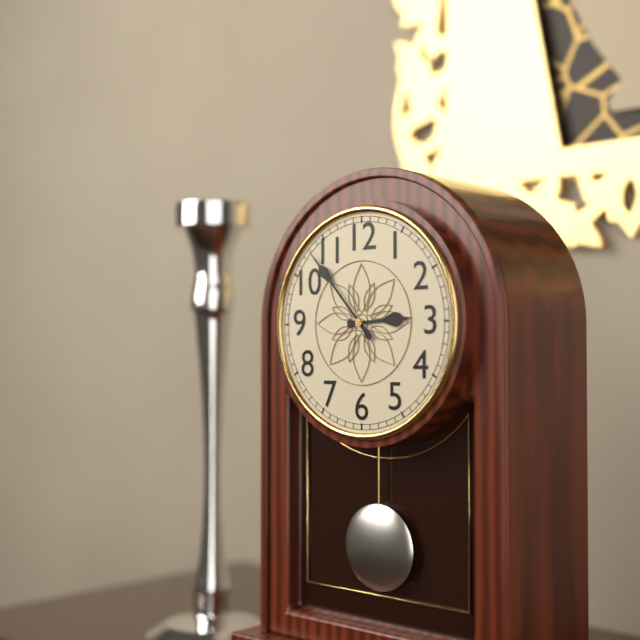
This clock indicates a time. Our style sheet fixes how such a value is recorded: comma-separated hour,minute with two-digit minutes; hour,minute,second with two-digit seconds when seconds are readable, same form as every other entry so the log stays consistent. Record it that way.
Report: 2,53
